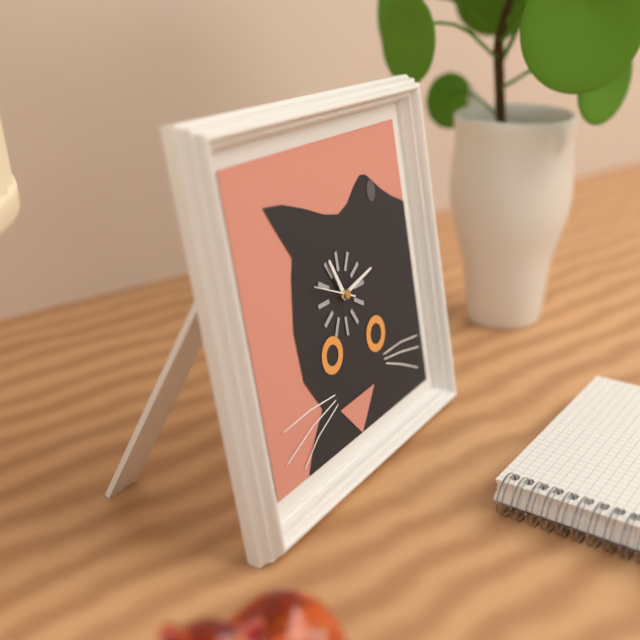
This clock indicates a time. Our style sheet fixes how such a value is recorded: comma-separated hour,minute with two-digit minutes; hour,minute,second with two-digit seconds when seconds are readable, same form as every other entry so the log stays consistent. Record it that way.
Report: 11,13
